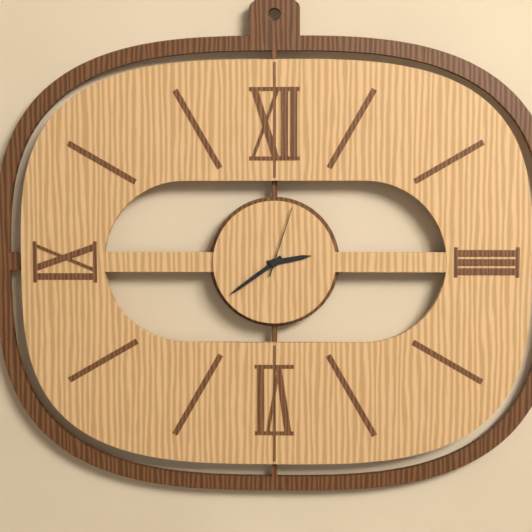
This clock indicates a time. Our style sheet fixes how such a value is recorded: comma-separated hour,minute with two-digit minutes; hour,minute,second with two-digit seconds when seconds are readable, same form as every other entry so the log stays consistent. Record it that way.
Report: 2,39,03
